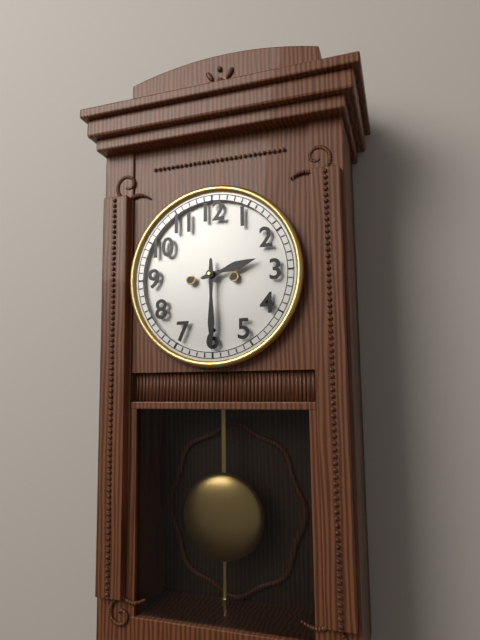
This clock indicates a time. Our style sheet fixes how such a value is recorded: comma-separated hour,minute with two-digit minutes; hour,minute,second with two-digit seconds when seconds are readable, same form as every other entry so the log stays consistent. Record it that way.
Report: 2,30
